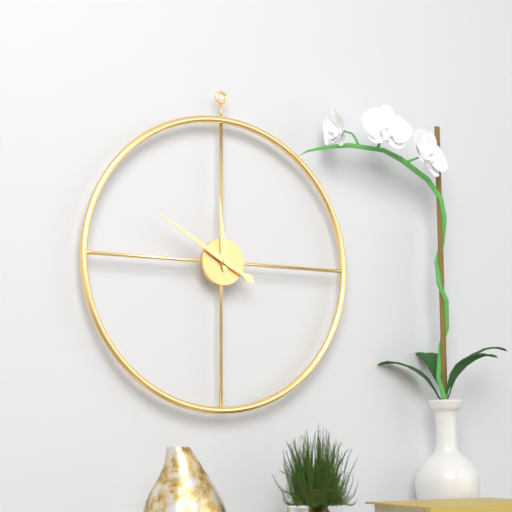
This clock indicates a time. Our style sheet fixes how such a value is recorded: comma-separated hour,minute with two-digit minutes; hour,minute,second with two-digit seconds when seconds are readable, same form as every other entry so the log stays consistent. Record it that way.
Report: 11,50
